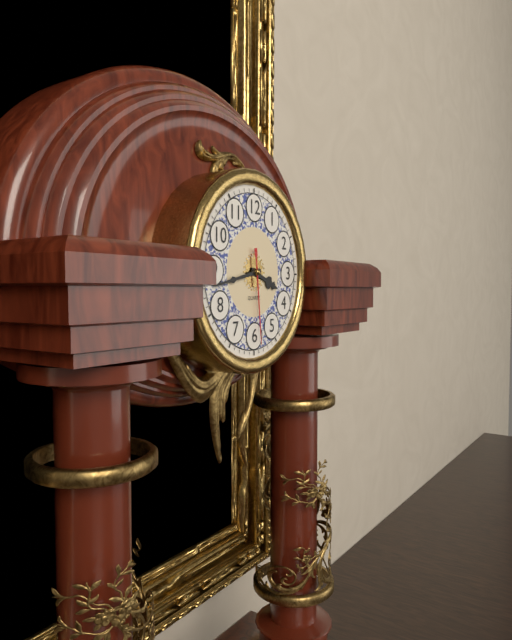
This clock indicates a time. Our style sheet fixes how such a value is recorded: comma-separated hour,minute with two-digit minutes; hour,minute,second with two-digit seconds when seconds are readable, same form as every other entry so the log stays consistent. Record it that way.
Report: 3,43,29
